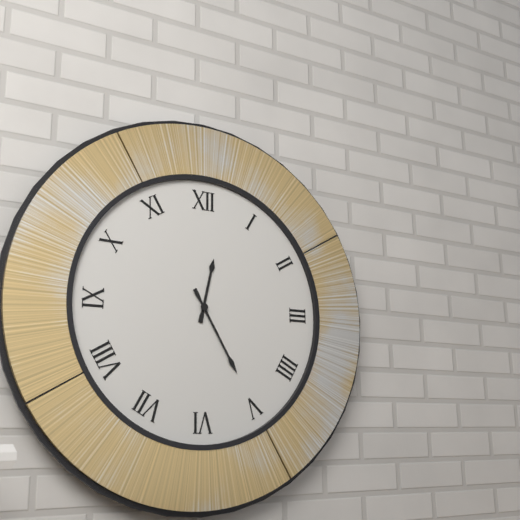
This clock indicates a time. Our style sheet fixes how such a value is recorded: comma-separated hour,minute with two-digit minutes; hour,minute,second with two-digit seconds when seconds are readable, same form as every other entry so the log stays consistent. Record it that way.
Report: 12,25
